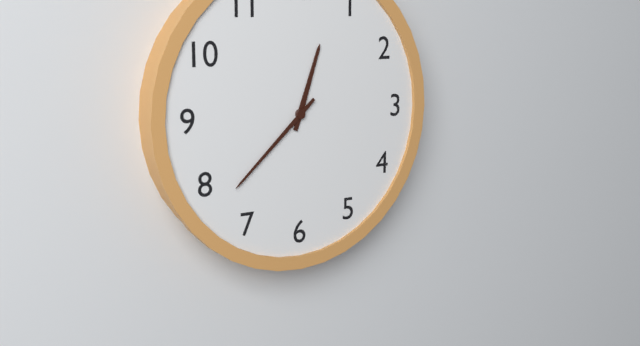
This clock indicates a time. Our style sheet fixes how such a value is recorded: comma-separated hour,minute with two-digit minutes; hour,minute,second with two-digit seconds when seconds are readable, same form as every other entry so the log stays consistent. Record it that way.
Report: 12,38
